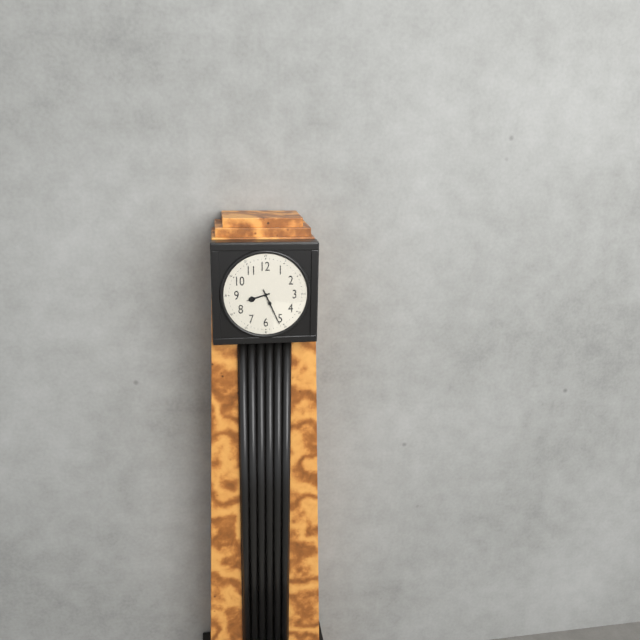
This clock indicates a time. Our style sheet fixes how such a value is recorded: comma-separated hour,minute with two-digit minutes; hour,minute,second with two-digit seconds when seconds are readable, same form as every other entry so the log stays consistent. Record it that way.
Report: 8,26
